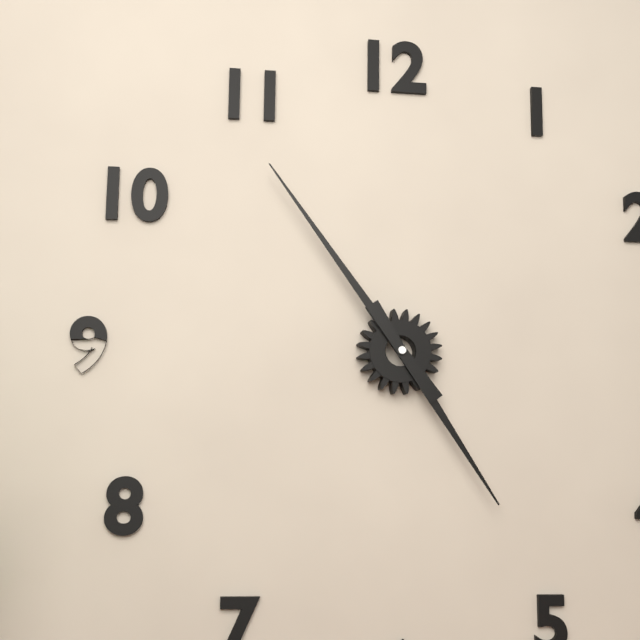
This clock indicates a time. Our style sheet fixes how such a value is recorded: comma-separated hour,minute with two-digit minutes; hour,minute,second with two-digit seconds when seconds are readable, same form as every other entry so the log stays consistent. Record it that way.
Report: 4,54
